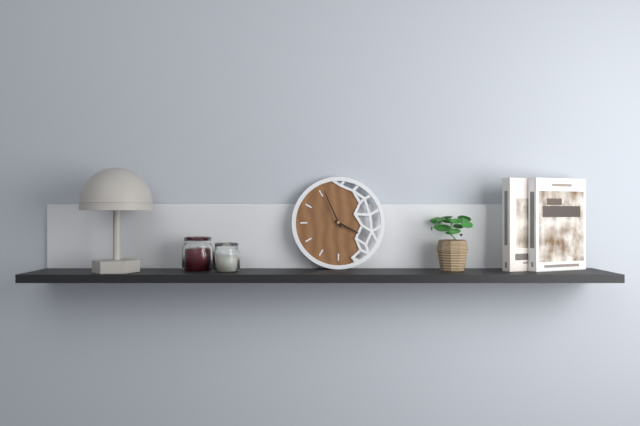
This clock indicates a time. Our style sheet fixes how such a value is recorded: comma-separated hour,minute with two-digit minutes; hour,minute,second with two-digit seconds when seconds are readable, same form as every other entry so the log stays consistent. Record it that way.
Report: 3,56
